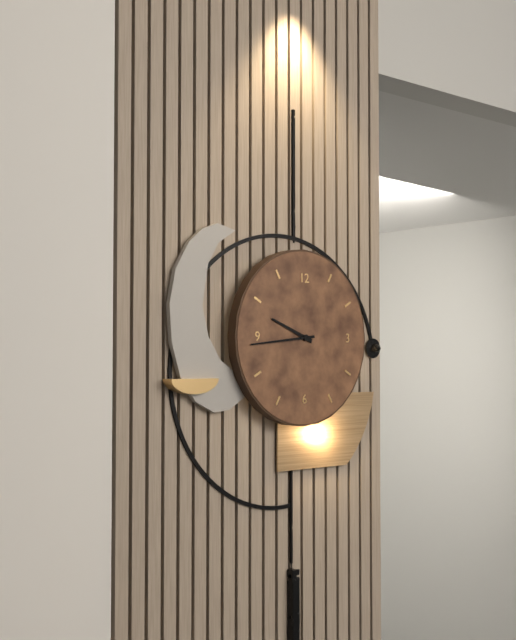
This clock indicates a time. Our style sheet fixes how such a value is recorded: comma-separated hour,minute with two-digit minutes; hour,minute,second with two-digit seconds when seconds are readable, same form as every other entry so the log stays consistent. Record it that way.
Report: 9,44
